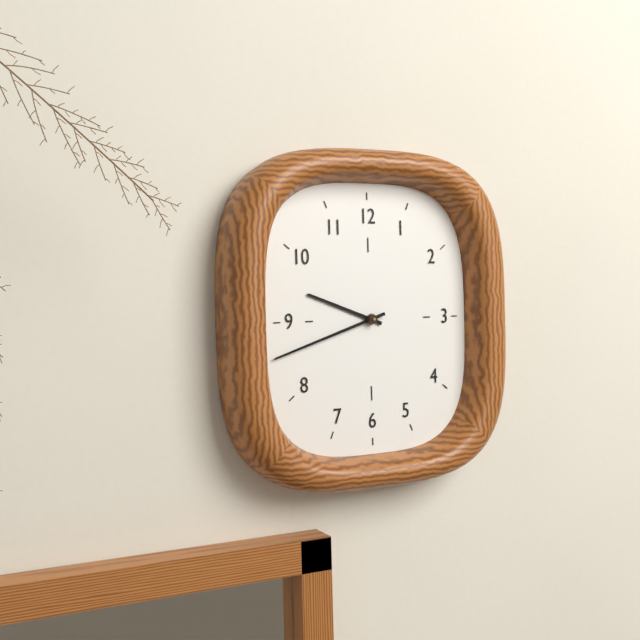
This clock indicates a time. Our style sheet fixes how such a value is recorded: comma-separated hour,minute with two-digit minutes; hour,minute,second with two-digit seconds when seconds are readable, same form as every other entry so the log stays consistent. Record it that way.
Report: 9,42
